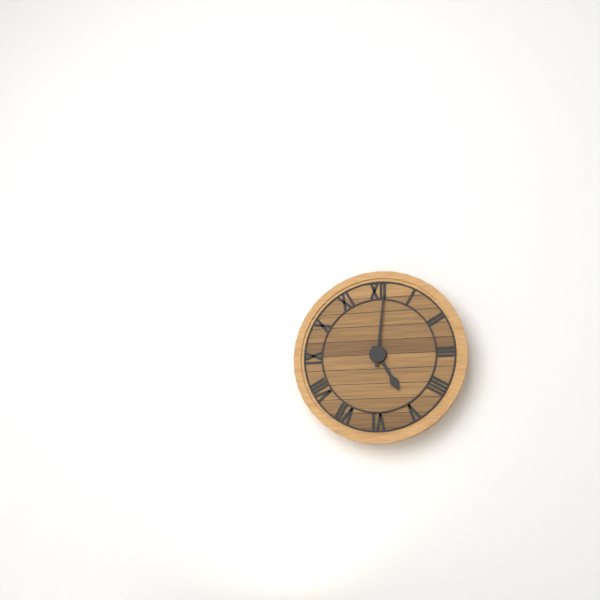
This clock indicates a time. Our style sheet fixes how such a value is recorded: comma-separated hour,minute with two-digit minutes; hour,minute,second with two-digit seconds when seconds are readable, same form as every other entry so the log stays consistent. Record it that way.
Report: 5,01
